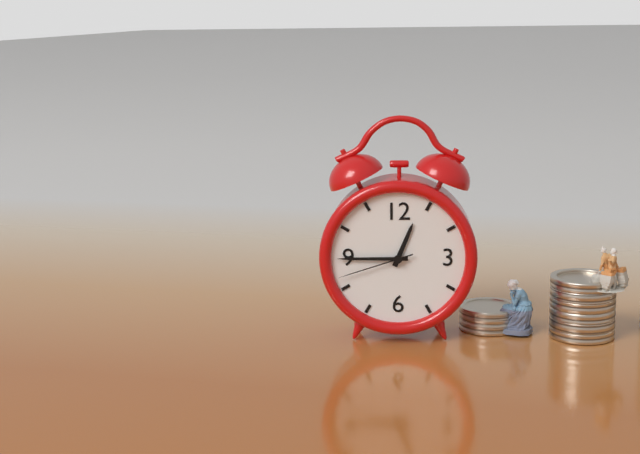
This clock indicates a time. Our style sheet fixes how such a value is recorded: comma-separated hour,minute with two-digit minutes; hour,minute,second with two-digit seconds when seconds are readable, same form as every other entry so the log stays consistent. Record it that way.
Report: 12,45,42
